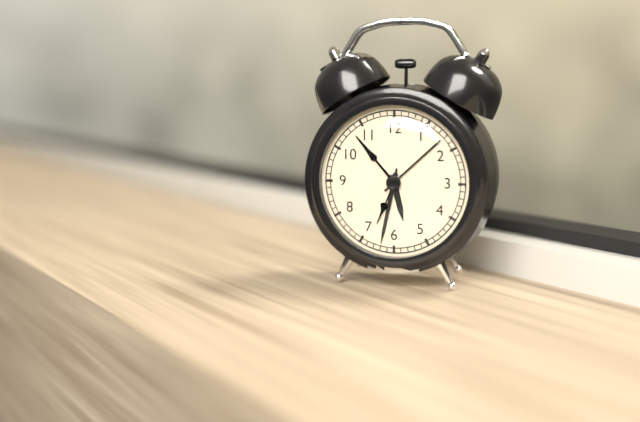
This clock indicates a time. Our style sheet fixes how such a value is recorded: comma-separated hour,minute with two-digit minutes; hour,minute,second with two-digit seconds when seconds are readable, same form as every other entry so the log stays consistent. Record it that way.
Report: 5,32,32
